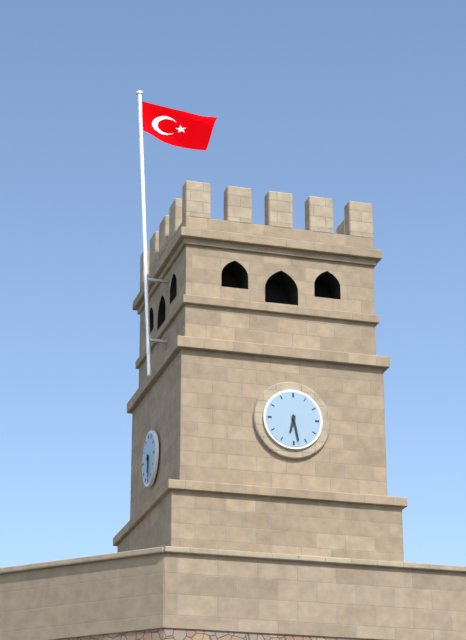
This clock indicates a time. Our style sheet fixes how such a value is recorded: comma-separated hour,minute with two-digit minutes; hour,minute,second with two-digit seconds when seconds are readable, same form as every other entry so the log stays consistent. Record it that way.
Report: 6,28
